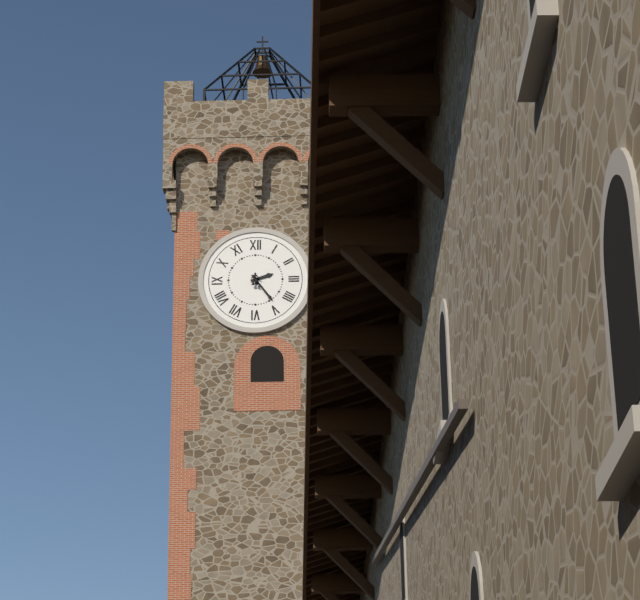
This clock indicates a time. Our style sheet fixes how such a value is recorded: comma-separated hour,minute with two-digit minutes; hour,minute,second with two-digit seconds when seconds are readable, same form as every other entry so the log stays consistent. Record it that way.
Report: 2,24
